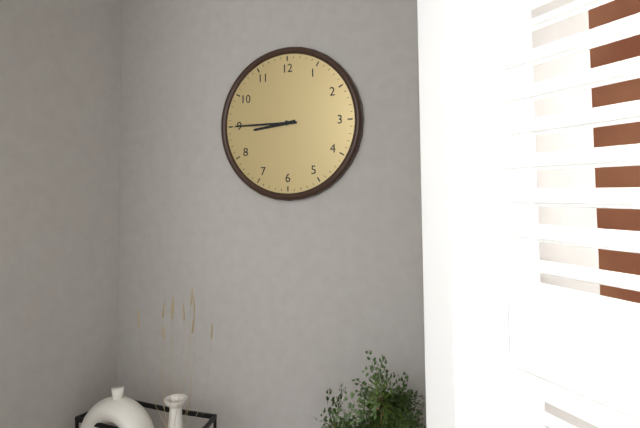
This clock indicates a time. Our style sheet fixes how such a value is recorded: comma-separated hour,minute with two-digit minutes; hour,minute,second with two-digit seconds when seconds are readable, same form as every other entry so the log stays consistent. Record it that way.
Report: 8,45
